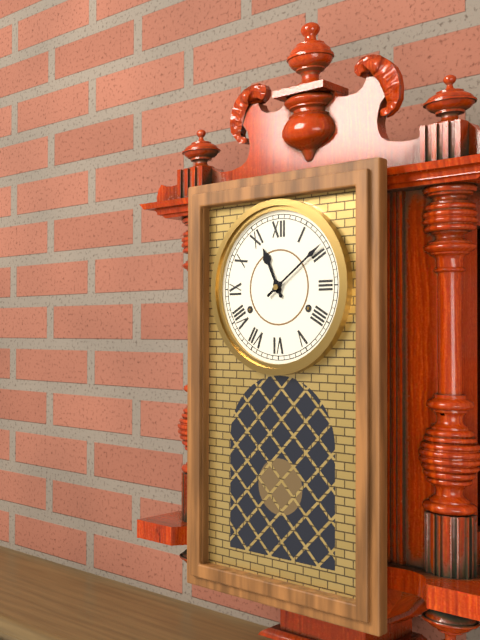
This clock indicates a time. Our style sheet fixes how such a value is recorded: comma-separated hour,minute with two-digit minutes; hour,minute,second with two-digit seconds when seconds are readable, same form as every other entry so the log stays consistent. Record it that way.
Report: 11,09
